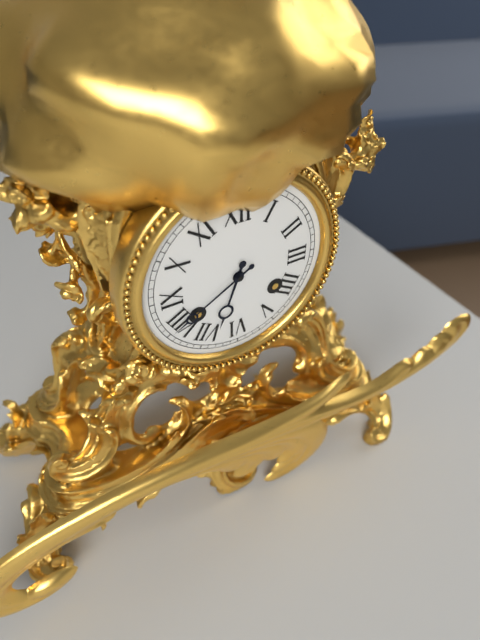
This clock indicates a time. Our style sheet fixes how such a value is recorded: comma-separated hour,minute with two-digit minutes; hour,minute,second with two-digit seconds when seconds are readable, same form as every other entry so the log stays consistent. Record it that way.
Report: 6,40
